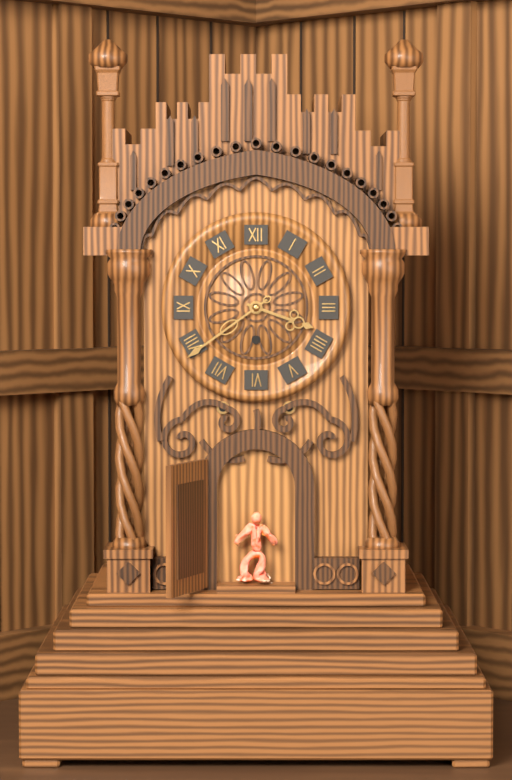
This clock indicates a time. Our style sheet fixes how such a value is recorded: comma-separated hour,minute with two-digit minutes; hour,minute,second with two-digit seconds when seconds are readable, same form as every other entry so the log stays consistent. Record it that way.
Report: 3,39
